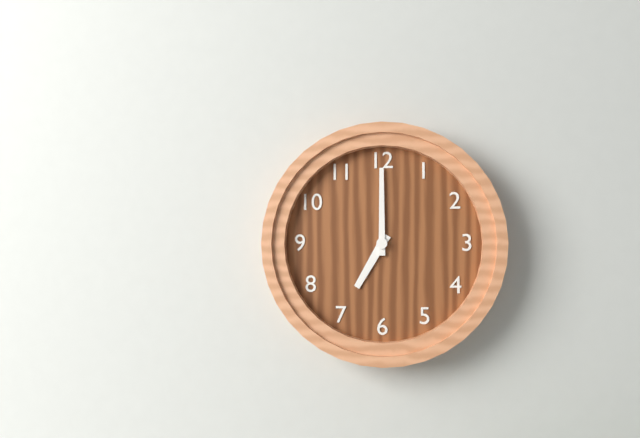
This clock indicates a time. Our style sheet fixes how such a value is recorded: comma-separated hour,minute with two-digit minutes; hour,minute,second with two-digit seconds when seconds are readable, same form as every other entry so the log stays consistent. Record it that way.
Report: 7,00
